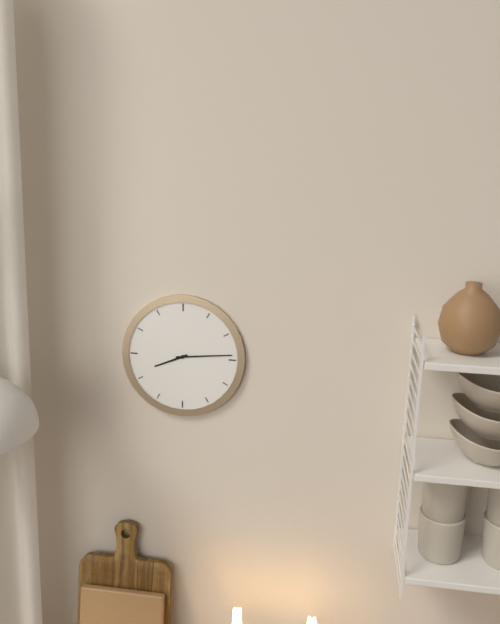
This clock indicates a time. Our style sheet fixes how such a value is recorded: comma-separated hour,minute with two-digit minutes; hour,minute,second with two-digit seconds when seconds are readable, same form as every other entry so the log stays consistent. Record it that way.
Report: 8,14
